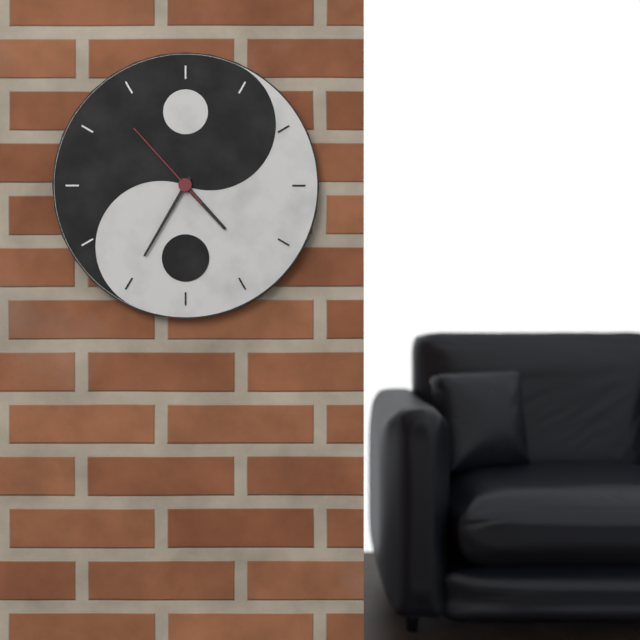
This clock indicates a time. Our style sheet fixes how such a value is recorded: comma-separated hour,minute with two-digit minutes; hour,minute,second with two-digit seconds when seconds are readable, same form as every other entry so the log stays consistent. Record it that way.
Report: 4,35,53
